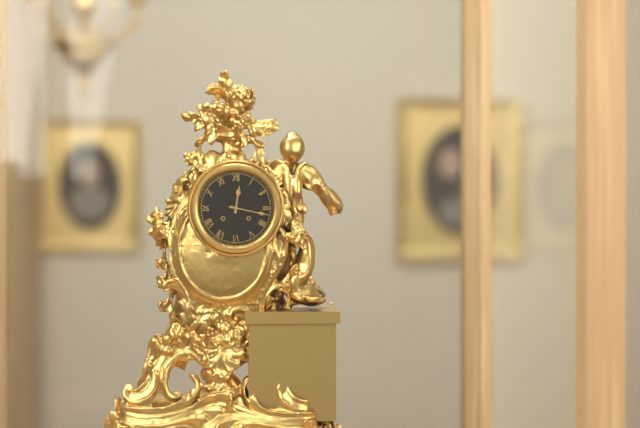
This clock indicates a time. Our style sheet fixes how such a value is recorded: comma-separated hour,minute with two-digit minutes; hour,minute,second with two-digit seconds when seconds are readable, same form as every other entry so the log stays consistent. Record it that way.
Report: 12,17
